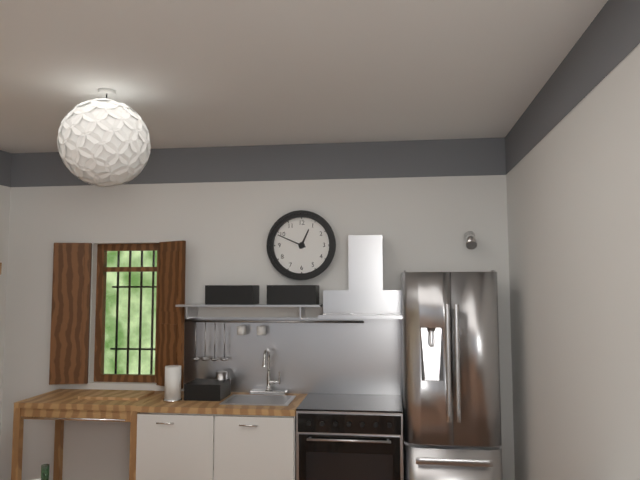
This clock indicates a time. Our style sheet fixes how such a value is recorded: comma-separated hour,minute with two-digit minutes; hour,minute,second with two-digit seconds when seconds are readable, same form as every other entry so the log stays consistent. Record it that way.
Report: 12,49
